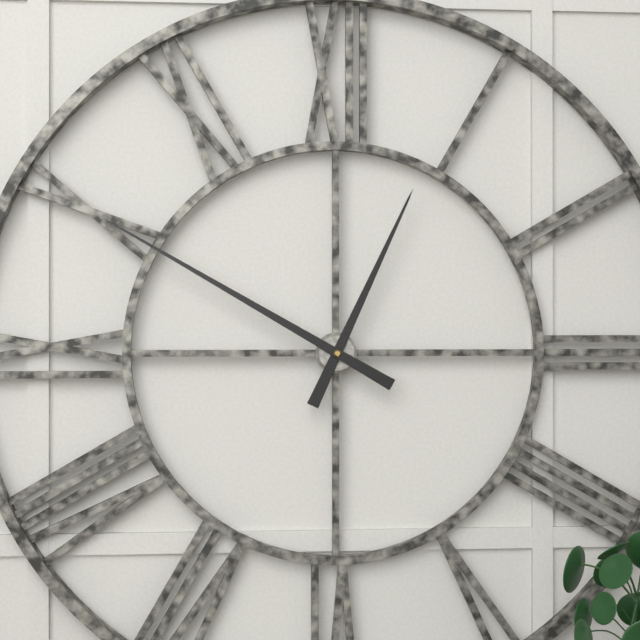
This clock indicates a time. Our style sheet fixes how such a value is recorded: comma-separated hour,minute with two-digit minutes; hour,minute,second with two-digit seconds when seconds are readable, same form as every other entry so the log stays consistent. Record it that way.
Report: 12,50
